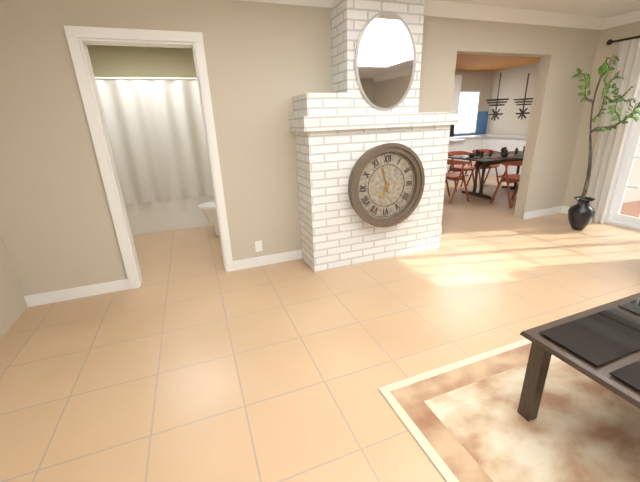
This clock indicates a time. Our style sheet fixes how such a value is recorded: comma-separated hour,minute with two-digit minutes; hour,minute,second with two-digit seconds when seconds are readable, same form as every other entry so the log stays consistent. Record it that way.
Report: 6,57
